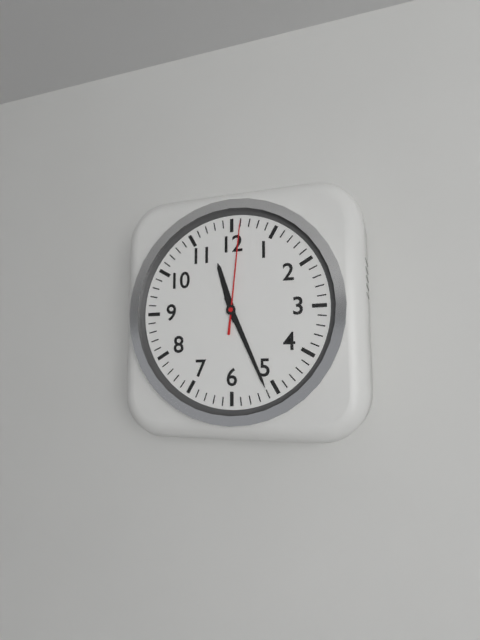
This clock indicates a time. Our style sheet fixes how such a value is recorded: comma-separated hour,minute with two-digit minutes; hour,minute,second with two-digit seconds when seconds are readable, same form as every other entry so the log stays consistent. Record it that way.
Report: 11,26,01
